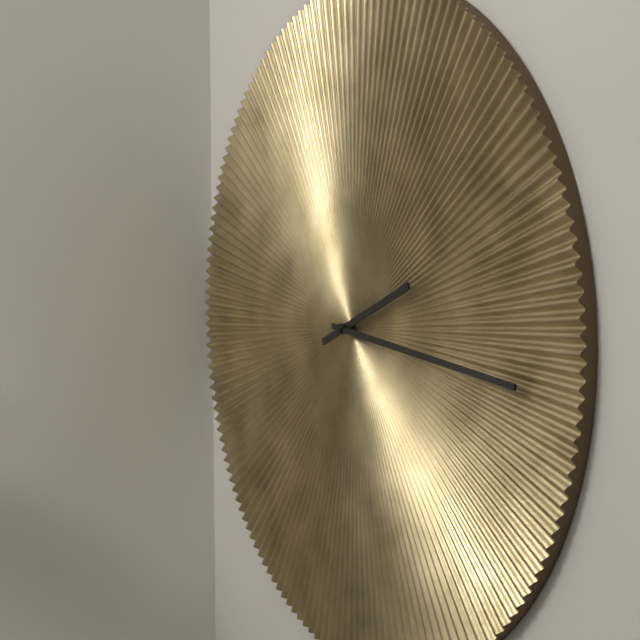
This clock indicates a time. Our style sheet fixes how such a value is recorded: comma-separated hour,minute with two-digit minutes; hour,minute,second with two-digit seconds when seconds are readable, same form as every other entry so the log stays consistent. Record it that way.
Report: 2,16
